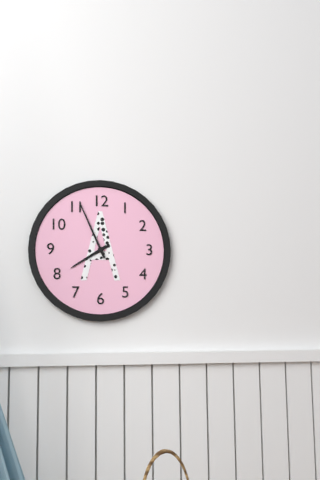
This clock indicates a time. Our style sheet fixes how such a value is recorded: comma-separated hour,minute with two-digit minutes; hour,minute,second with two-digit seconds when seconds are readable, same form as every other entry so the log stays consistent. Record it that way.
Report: 7,56
